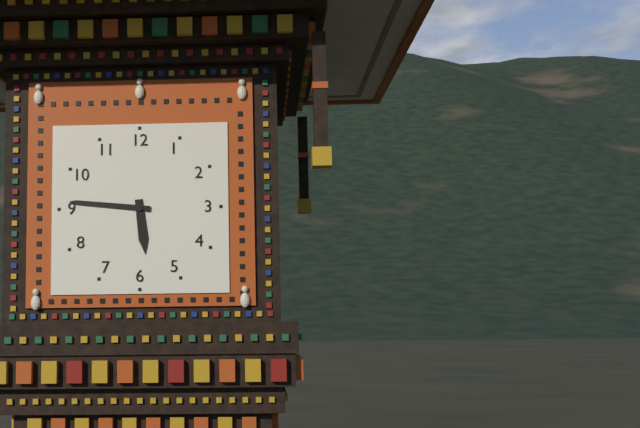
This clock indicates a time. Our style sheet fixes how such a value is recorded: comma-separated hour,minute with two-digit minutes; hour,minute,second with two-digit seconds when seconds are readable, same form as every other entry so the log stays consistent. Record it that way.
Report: 5,46
